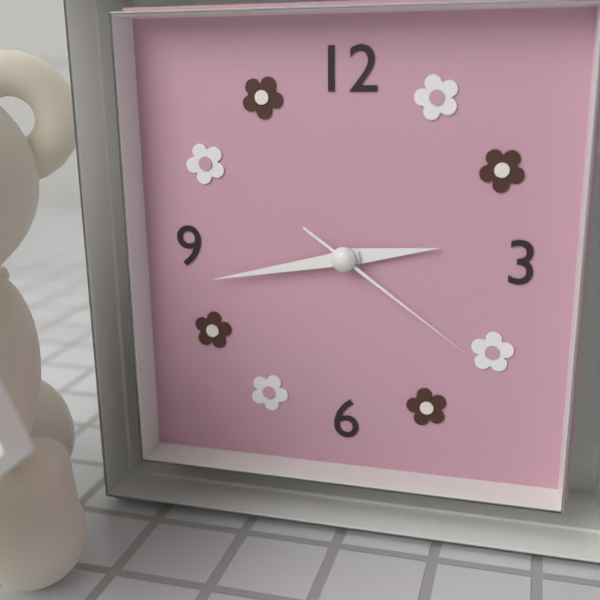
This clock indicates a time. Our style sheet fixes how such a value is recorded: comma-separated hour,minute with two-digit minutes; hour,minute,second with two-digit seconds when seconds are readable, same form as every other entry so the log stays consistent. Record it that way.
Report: 2,43,21
